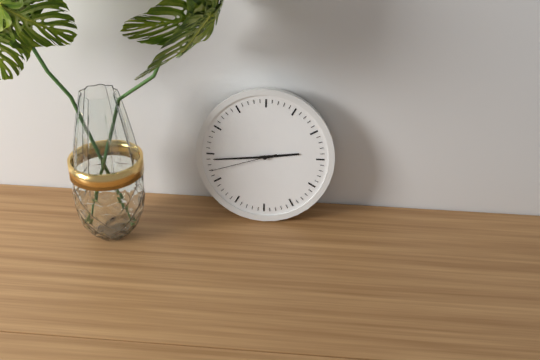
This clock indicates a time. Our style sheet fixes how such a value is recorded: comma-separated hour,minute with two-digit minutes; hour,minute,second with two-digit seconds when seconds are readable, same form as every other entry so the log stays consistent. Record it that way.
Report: 2,44,42
